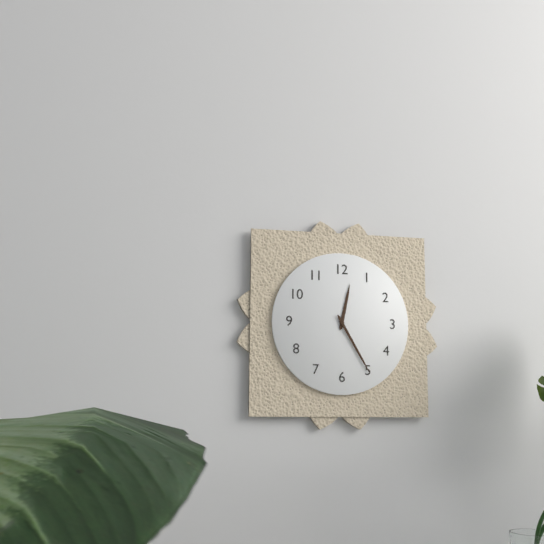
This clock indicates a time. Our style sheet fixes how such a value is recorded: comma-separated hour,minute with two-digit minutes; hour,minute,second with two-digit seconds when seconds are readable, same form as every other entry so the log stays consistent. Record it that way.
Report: 12,25
